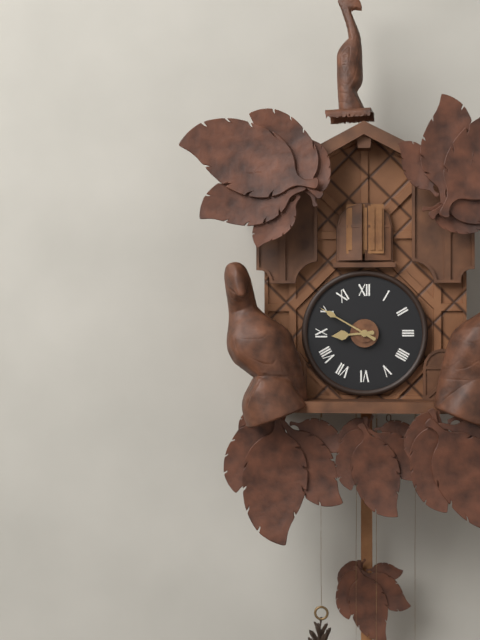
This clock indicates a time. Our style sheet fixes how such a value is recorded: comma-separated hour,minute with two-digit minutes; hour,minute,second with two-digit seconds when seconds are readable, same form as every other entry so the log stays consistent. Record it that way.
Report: 8,50
